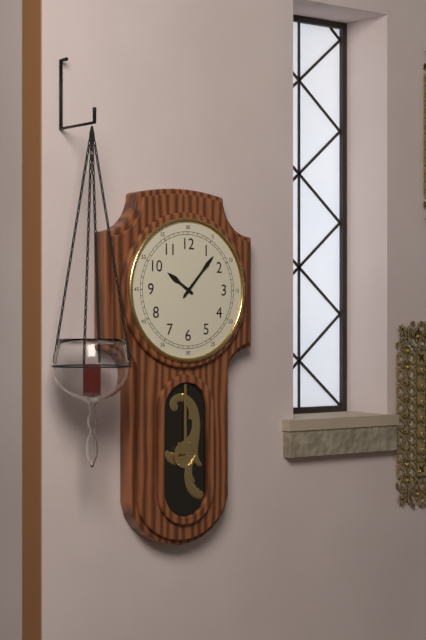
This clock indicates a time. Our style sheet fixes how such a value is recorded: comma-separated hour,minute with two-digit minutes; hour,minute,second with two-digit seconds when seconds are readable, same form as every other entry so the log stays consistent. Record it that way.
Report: 10,07
